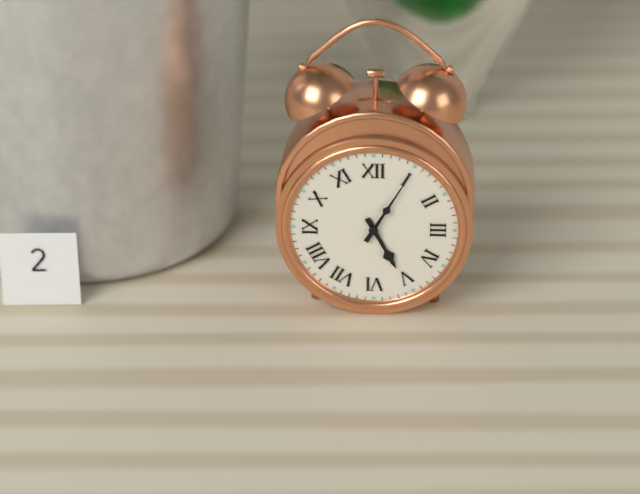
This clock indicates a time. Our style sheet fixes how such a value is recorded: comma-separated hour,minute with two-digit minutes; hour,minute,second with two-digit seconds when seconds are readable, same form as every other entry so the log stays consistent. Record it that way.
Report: 5,05
